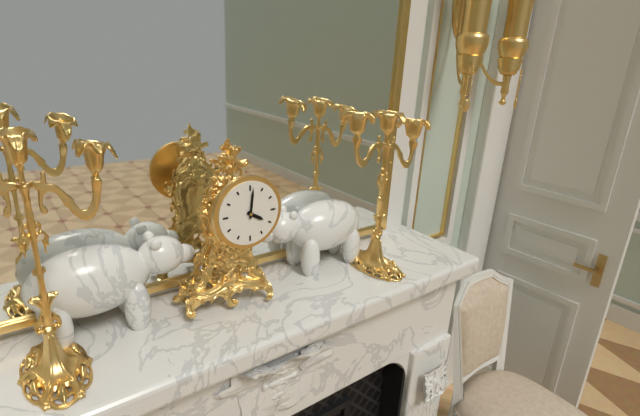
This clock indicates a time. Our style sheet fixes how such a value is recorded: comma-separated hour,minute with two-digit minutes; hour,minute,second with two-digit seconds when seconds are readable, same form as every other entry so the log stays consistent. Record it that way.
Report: 4,01
